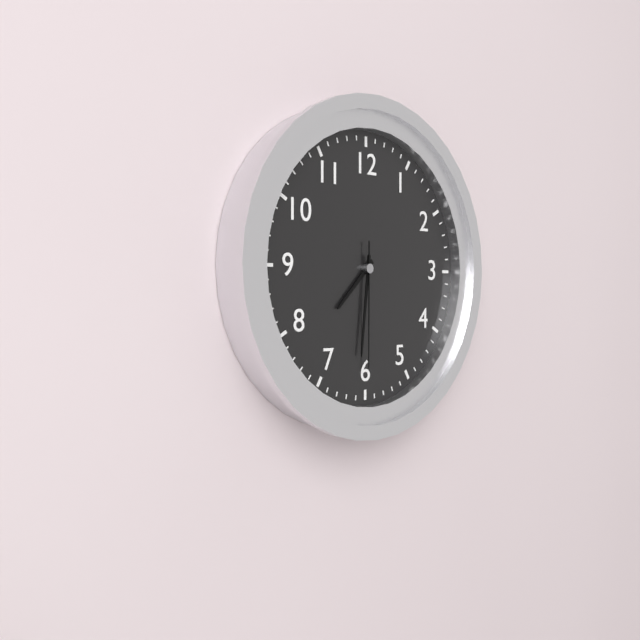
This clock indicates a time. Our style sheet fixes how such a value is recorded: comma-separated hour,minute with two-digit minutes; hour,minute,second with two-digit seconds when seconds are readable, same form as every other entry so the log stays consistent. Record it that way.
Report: 7,31,30
